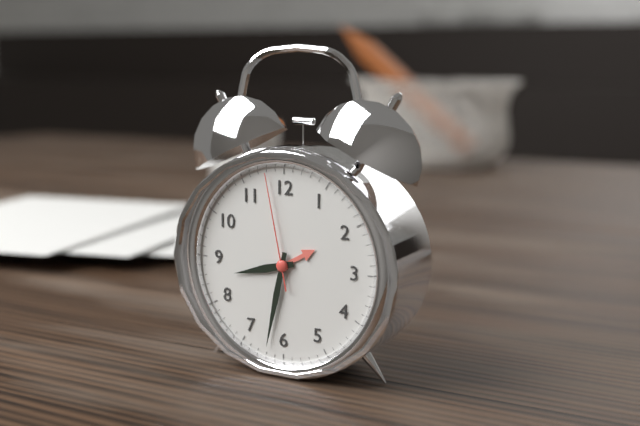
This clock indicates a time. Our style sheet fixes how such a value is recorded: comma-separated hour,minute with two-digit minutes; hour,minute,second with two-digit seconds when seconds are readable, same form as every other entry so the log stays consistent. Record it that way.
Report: 8,32,58
